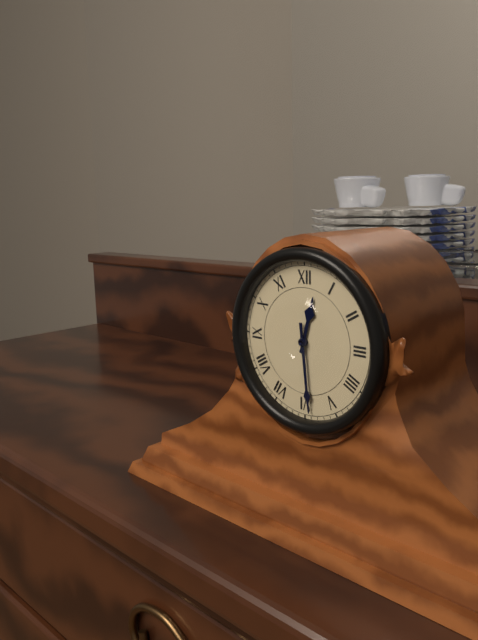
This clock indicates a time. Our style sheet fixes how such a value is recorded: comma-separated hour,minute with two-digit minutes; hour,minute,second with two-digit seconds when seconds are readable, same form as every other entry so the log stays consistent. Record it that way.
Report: 12,29
